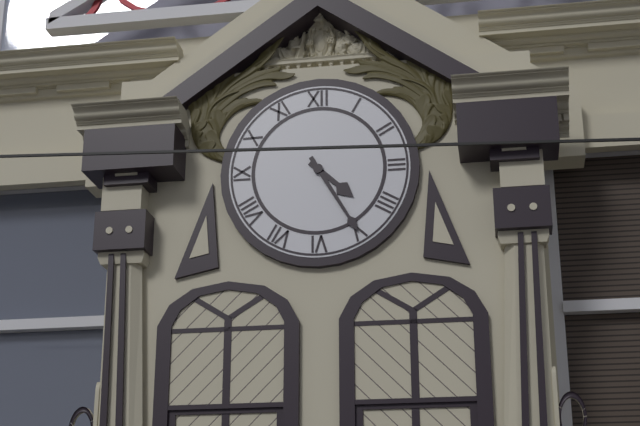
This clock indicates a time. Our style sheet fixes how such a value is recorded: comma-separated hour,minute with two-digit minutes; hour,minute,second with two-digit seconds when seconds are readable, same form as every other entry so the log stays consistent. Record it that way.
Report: 4,25
